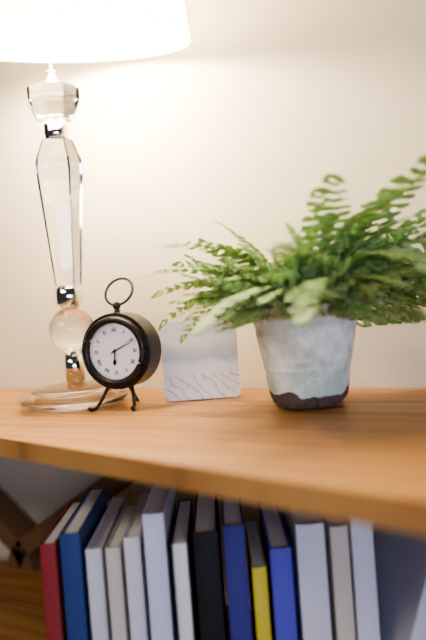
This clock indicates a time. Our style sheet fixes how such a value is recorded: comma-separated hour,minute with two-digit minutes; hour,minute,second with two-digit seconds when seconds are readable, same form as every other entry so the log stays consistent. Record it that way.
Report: 6,11
